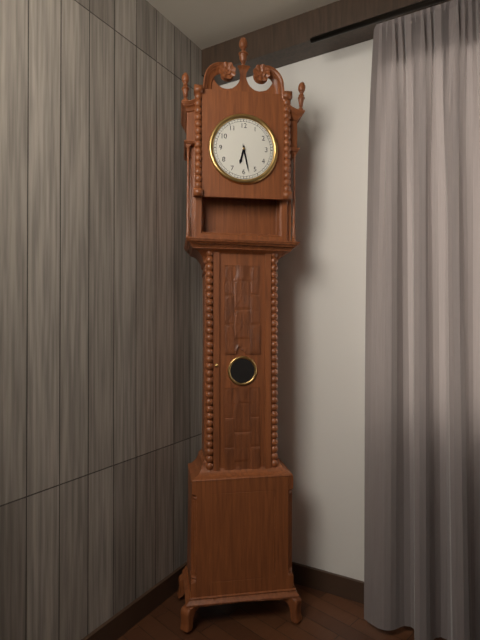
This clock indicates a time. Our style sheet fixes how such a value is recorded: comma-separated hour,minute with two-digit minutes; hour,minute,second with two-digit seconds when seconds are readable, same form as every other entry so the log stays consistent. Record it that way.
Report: 6,28
